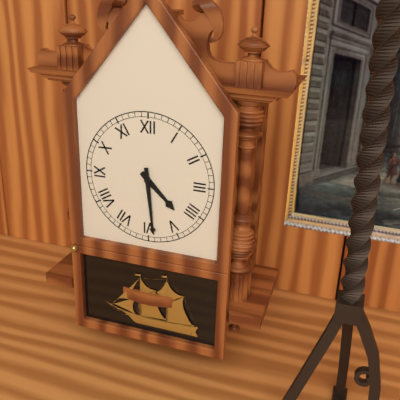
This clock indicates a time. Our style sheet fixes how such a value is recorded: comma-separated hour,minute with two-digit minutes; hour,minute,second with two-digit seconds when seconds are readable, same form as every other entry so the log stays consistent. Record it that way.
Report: 4,29
